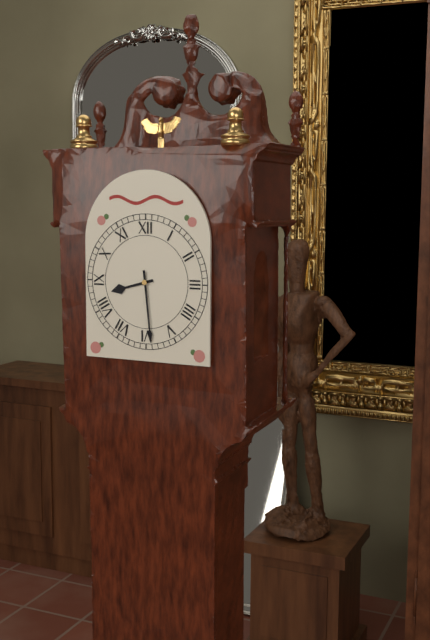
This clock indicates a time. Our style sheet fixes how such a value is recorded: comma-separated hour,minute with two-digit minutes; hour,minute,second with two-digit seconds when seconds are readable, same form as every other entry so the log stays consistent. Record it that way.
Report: 8,29
